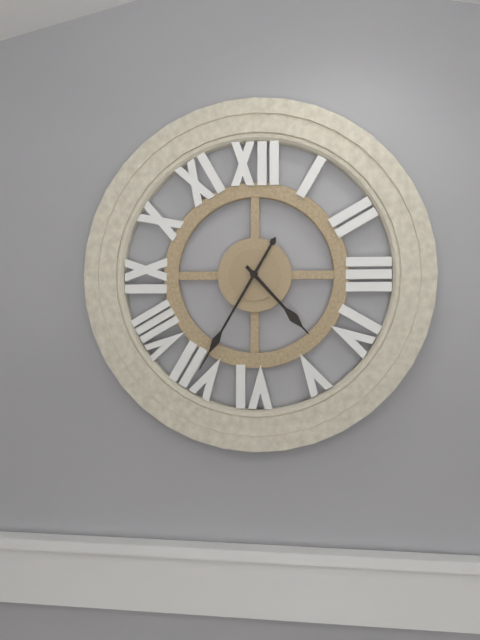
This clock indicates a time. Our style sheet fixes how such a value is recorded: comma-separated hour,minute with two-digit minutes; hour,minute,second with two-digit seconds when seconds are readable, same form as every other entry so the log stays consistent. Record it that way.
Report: 4,35
